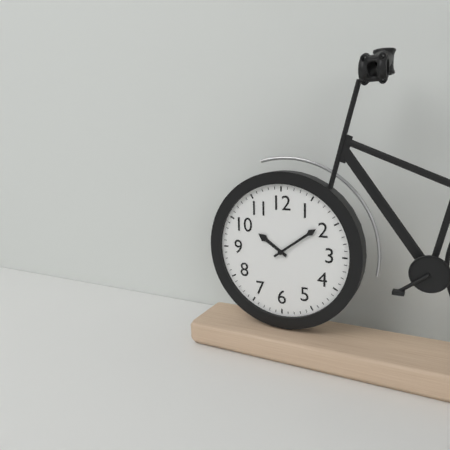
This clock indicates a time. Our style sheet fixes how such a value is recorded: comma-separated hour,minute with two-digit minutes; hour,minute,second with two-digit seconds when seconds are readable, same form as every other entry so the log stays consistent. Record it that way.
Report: 10,09
